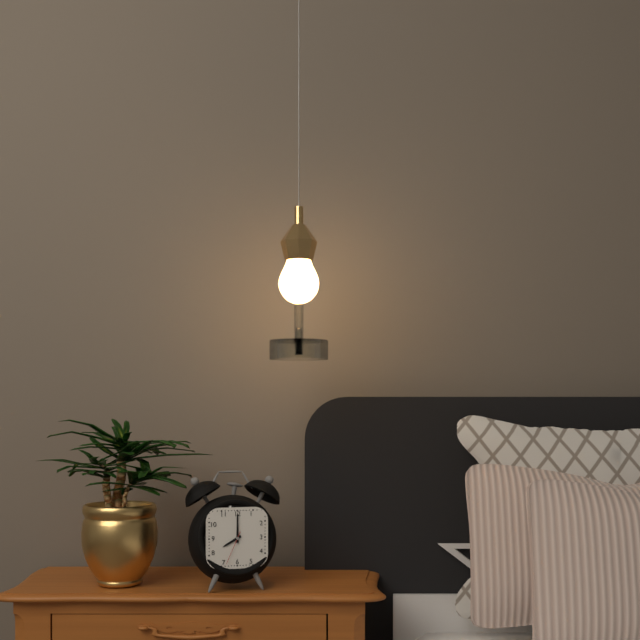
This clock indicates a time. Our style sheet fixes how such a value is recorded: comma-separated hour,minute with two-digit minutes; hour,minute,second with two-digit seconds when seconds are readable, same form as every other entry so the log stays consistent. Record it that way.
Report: 8,00
